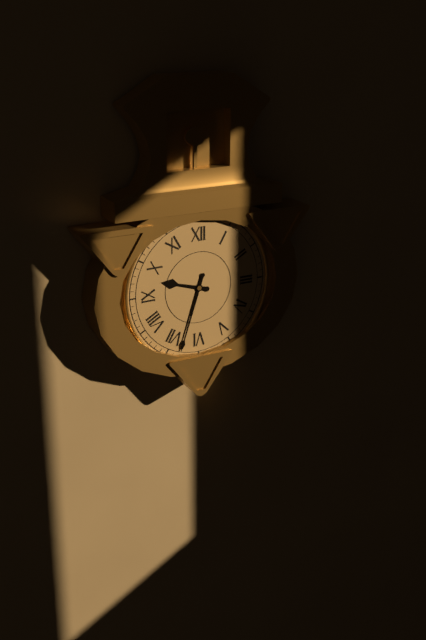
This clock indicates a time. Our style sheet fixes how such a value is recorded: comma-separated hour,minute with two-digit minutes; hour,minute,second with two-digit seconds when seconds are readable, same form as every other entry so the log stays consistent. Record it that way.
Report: 9,33
